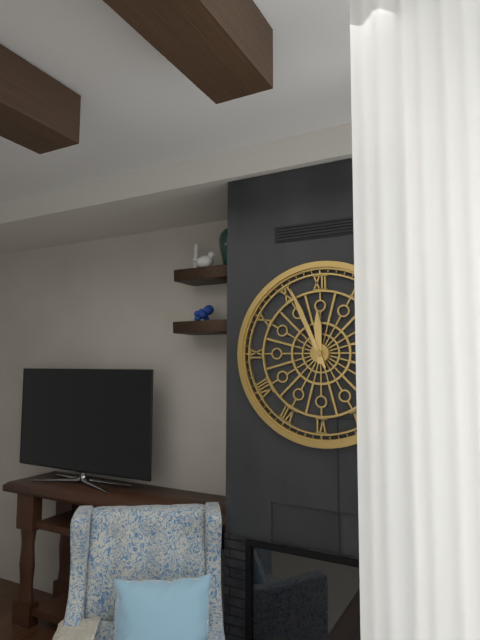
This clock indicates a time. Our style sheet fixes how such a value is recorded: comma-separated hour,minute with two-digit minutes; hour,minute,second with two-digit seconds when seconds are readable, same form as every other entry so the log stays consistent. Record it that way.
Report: 11,56
